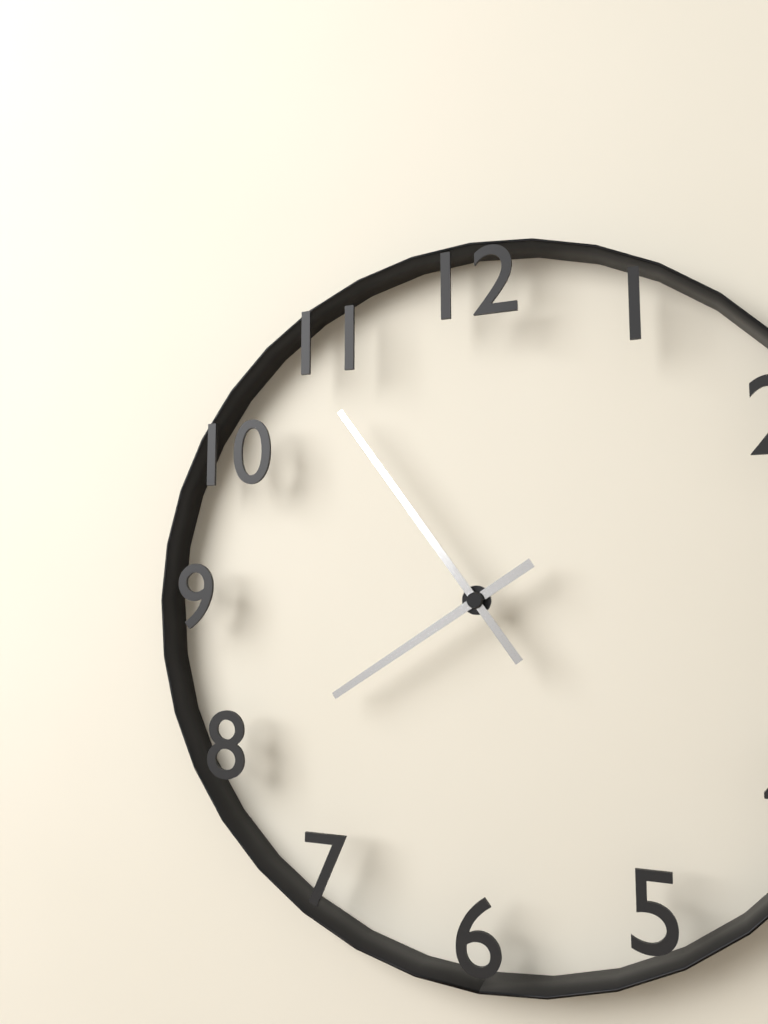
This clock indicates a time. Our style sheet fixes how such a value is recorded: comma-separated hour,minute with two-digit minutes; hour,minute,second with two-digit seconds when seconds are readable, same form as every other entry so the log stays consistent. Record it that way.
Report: 7,54
